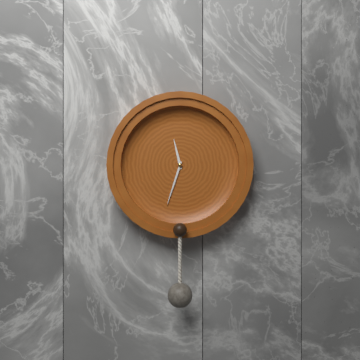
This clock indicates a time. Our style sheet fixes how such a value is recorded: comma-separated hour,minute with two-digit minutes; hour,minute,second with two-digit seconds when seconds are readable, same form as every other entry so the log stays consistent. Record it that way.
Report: 11,33
